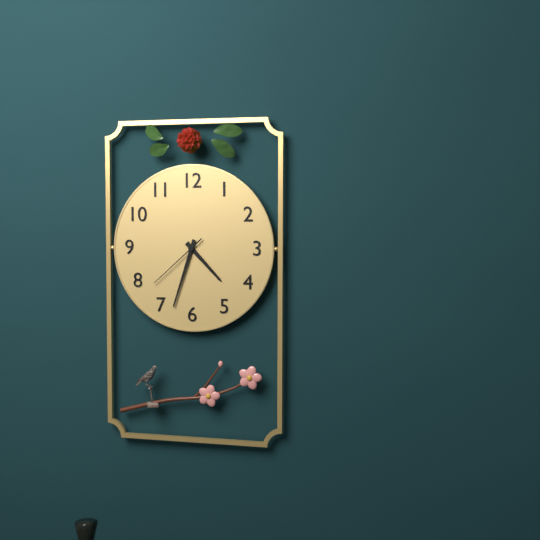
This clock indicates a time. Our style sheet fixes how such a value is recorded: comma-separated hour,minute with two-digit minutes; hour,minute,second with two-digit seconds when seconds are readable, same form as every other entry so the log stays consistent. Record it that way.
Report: 4,33,38
